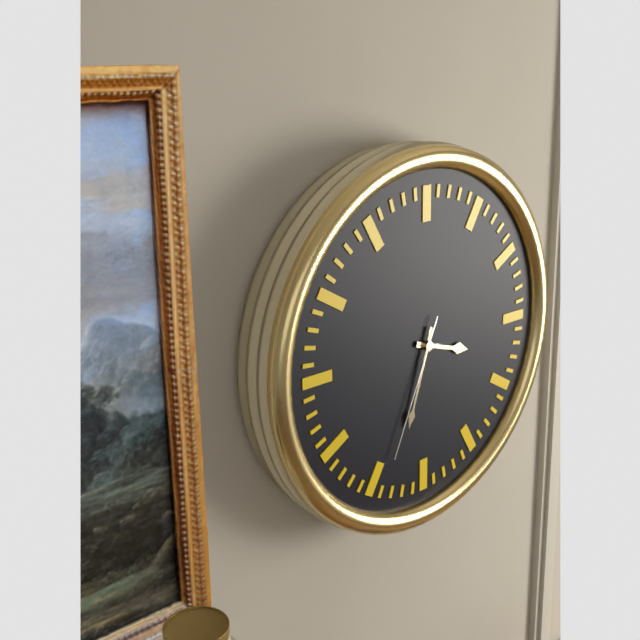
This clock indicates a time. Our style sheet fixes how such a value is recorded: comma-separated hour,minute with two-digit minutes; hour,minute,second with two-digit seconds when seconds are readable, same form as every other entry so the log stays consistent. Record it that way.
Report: 3,33,34
